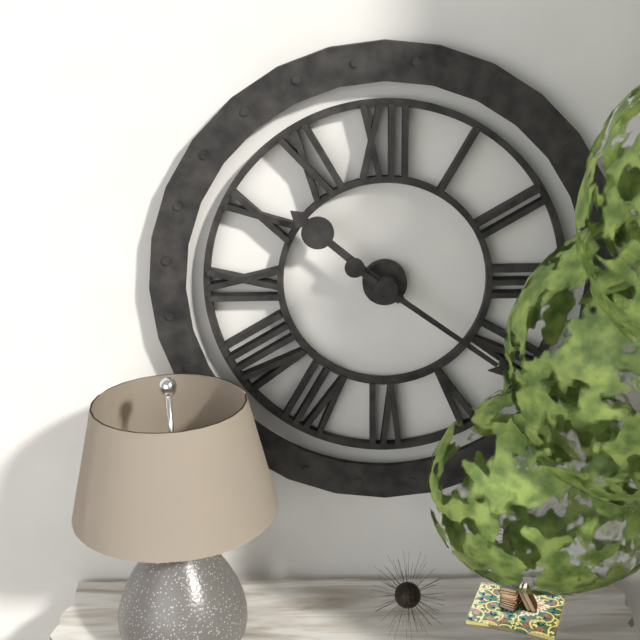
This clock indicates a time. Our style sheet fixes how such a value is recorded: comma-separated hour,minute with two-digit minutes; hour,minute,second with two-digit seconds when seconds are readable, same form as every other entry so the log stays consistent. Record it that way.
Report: 10,21
